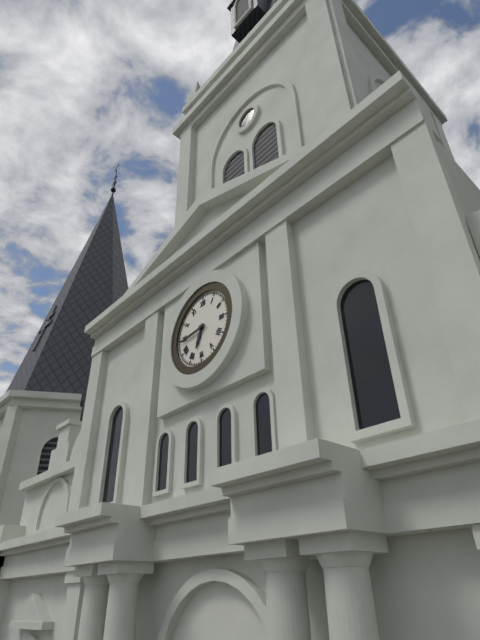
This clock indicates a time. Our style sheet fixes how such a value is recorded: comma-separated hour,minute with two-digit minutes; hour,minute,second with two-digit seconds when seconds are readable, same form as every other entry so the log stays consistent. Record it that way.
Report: 6,44
